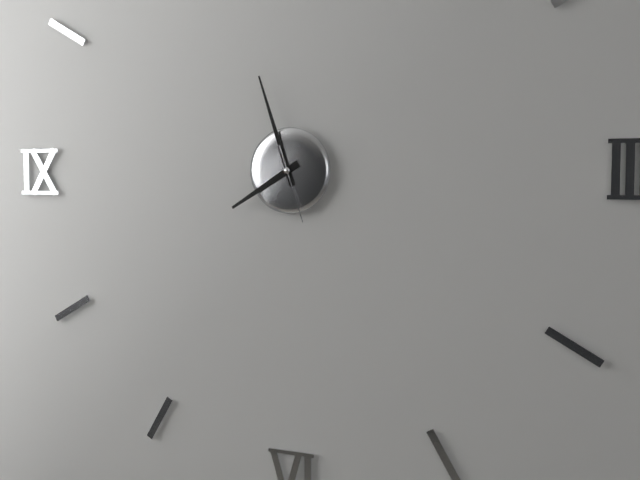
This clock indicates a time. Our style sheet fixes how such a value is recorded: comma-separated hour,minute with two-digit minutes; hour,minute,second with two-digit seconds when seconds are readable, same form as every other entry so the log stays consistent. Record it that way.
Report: 7,57,27
